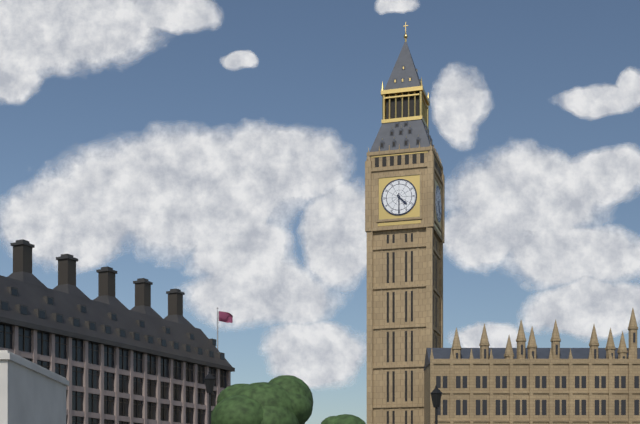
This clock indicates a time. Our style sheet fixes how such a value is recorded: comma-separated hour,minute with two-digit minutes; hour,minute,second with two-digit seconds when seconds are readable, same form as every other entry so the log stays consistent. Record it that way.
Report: 4,30
